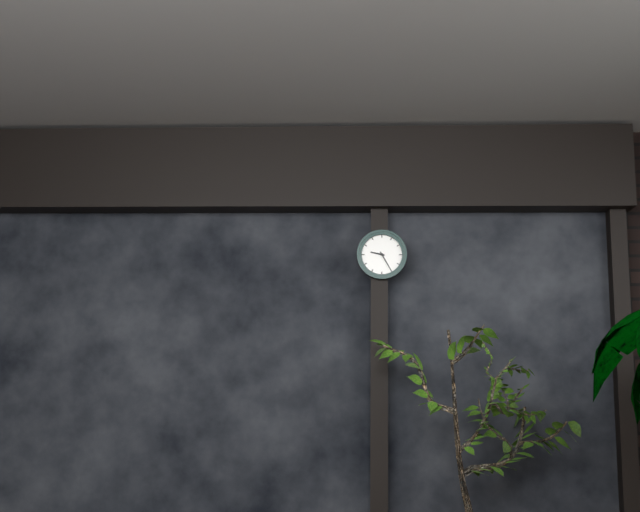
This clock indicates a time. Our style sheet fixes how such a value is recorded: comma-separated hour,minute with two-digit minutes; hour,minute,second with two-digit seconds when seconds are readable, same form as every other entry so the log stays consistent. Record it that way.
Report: 9,25
